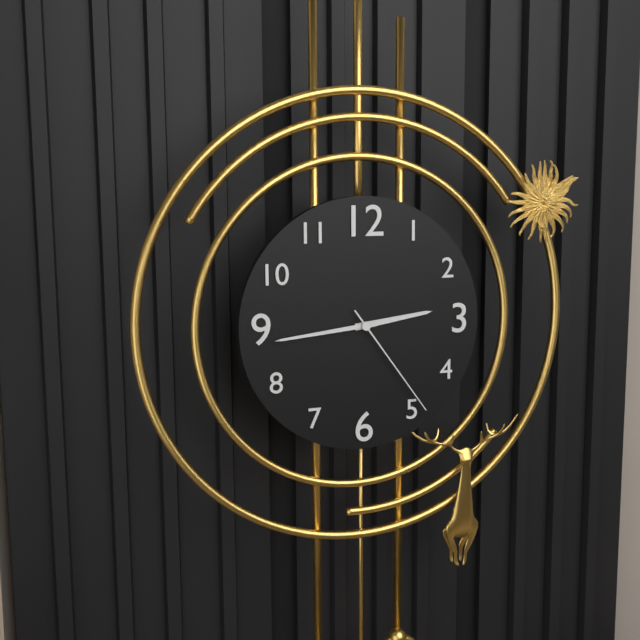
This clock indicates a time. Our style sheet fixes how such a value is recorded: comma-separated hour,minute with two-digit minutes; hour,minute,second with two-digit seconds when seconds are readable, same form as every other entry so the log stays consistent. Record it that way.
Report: 2,44,24
